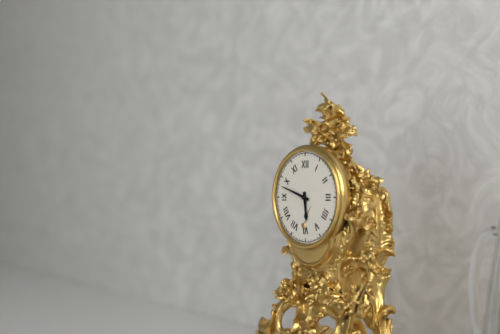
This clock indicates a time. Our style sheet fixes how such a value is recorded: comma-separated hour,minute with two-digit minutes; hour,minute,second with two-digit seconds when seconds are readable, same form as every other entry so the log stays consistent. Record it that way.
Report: 5,48
